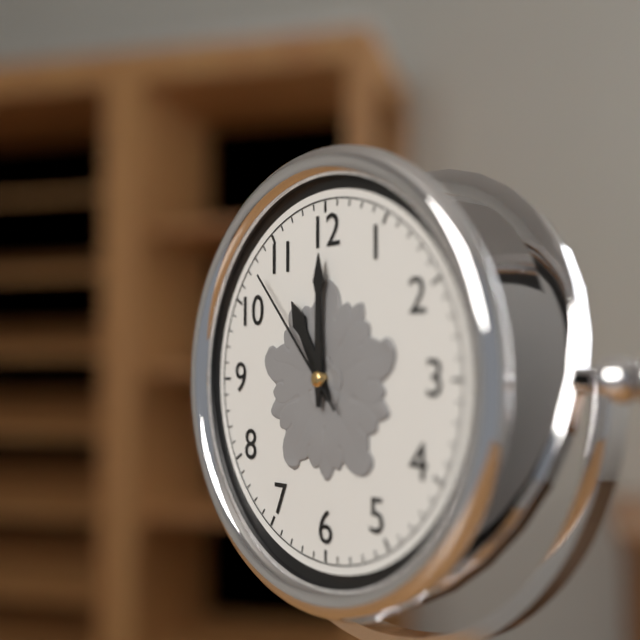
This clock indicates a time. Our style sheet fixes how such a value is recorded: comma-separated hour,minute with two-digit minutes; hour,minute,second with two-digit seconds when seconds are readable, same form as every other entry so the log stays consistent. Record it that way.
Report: 11,00,53
